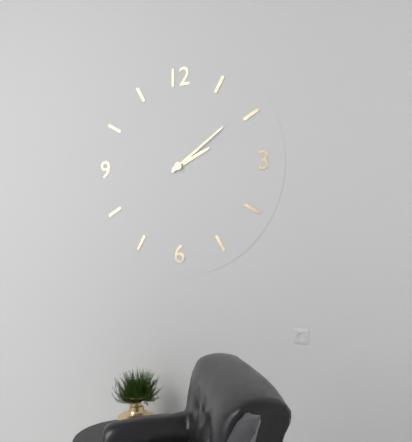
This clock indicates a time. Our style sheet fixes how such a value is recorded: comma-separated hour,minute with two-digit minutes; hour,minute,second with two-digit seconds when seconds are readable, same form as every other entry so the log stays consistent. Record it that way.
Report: 2,09
